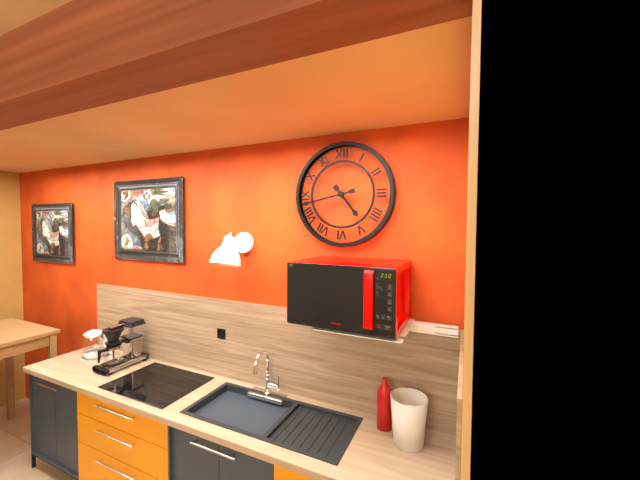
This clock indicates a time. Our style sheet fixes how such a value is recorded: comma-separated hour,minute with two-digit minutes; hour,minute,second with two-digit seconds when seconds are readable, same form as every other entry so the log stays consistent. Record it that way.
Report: 4,43
